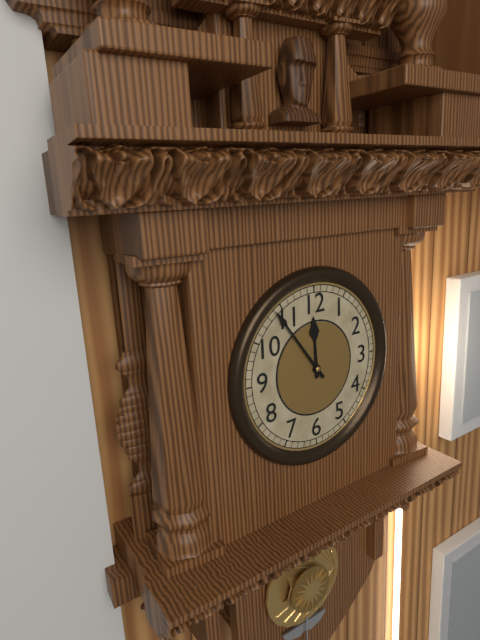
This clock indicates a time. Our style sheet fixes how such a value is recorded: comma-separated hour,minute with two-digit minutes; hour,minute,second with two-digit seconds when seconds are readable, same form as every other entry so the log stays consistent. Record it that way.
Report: 11,54
